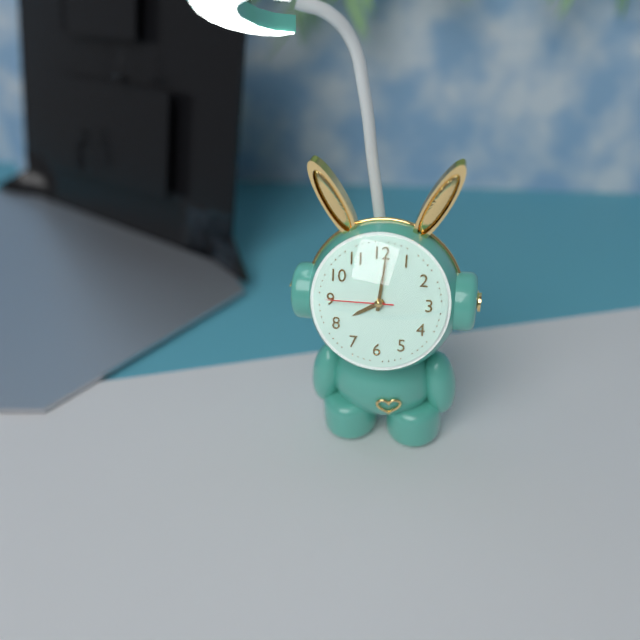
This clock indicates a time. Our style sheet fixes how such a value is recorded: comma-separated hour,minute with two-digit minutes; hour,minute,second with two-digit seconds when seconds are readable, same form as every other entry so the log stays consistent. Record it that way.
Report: 8,01,45
